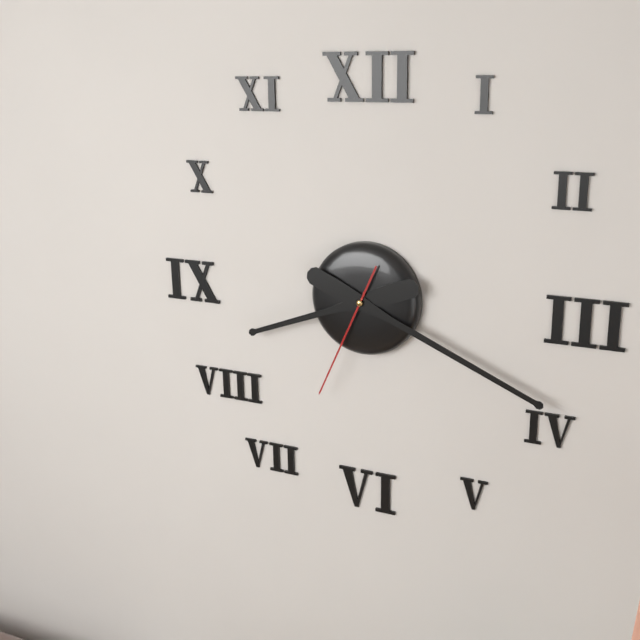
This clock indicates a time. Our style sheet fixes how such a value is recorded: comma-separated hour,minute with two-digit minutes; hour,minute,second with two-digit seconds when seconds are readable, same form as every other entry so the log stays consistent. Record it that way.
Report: 8,19,34
